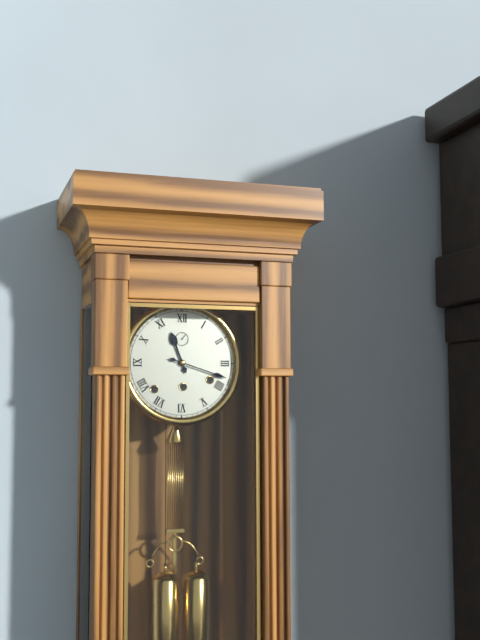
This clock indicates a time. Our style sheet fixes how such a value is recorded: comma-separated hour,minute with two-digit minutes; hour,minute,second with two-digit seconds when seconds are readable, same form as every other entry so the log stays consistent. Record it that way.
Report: 11,18
